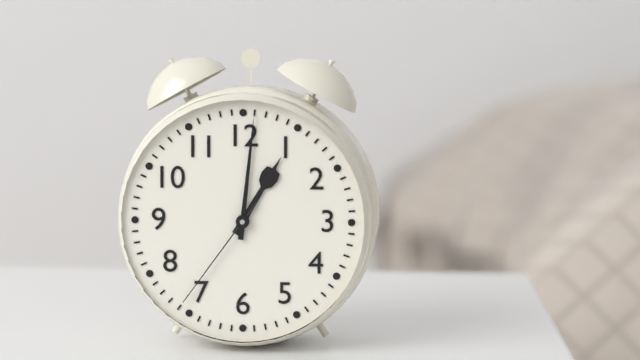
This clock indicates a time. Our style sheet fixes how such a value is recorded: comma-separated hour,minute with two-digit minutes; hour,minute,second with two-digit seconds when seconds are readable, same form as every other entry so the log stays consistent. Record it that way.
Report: 1,01,36
